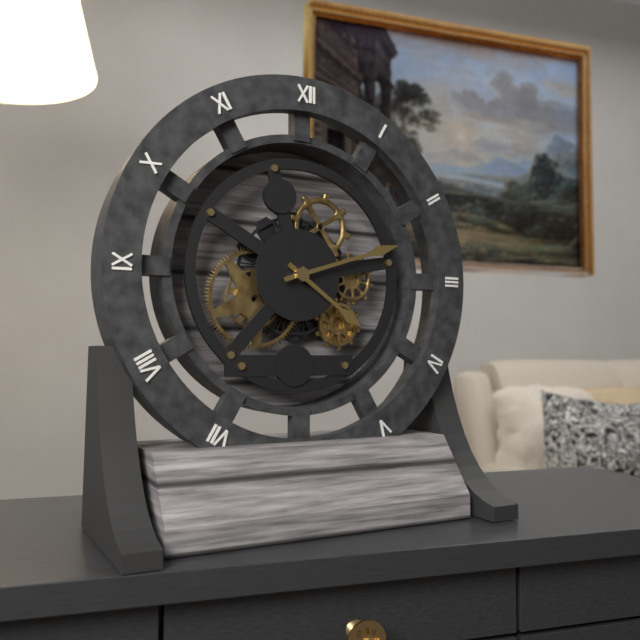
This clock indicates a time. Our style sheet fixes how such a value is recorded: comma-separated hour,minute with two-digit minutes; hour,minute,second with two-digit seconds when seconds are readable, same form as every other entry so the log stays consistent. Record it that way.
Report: 4,12
